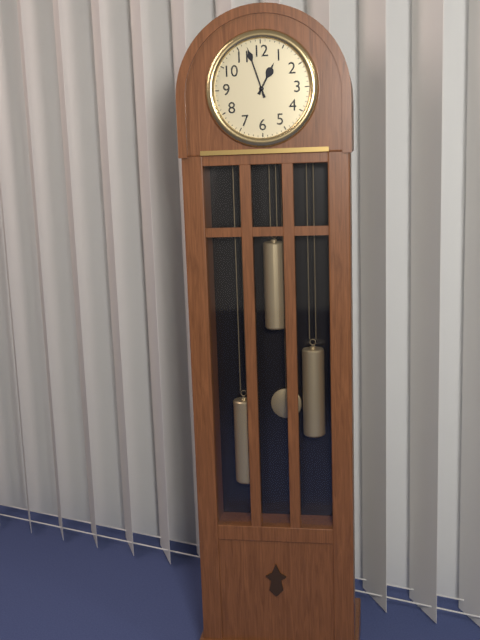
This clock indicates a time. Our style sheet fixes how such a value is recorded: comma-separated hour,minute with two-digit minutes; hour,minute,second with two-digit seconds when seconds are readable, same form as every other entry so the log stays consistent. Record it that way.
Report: 12,57
